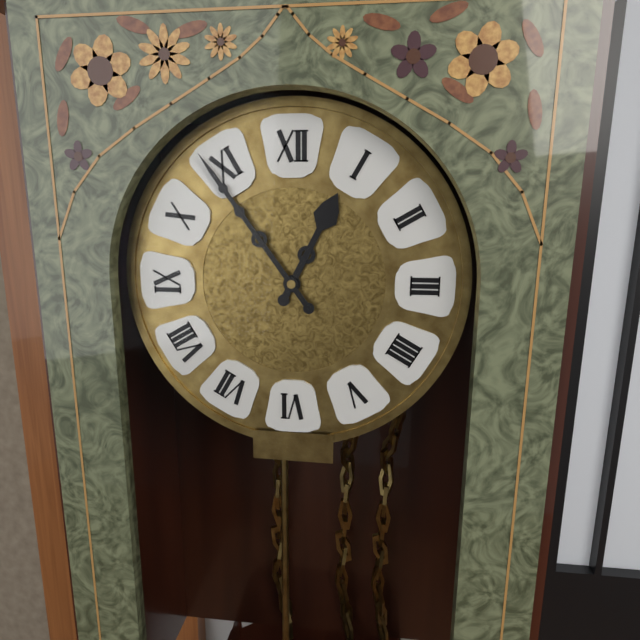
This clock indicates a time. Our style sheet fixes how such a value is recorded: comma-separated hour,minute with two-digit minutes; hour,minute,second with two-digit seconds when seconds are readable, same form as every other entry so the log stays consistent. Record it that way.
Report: 12,54
